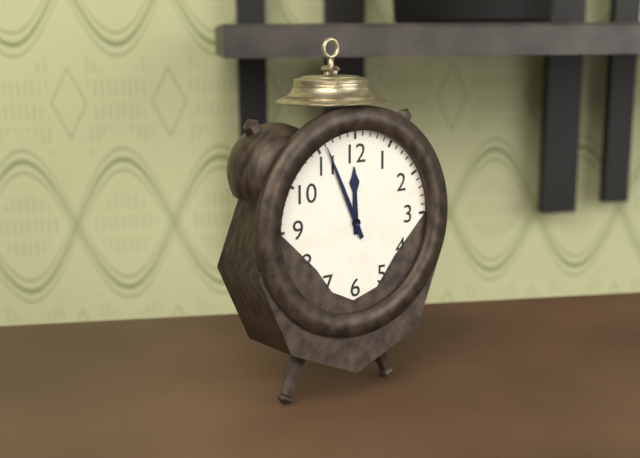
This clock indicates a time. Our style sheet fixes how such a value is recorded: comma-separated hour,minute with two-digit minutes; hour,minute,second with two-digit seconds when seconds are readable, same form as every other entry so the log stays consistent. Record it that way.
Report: 11,56
